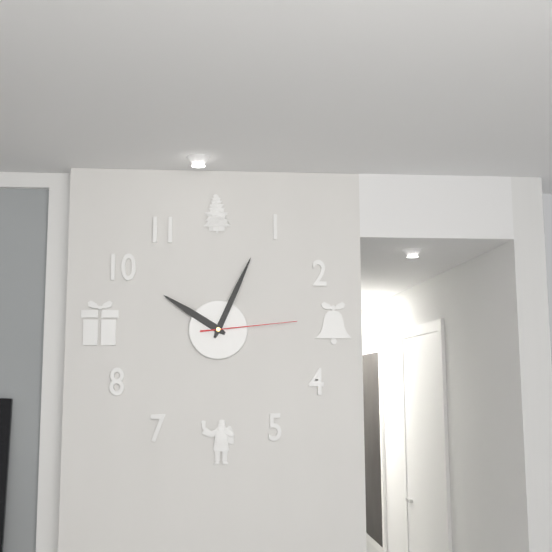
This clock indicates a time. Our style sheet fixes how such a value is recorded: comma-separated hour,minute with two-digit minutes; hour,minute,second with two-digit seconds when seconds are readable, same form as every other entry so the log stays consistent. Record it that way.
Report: 10,04,14
